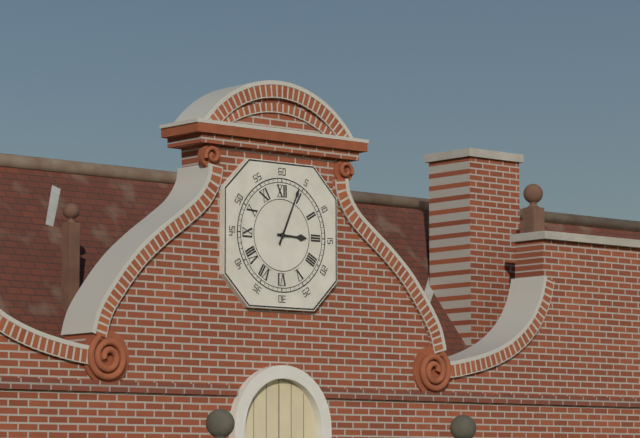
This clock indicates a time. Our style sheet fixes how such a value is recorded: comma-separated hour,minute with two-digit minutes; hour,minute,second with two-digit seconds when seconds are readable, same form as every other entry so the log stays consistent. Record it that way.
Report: 3,04
